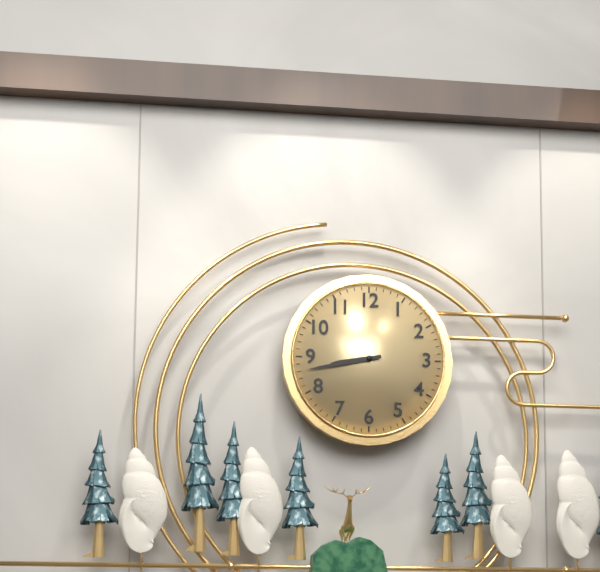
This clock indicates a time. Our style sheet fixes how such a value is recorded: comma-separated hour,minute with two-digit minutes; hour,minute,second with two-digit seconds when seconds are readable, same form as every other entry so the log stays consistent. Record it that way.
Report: 8,43
